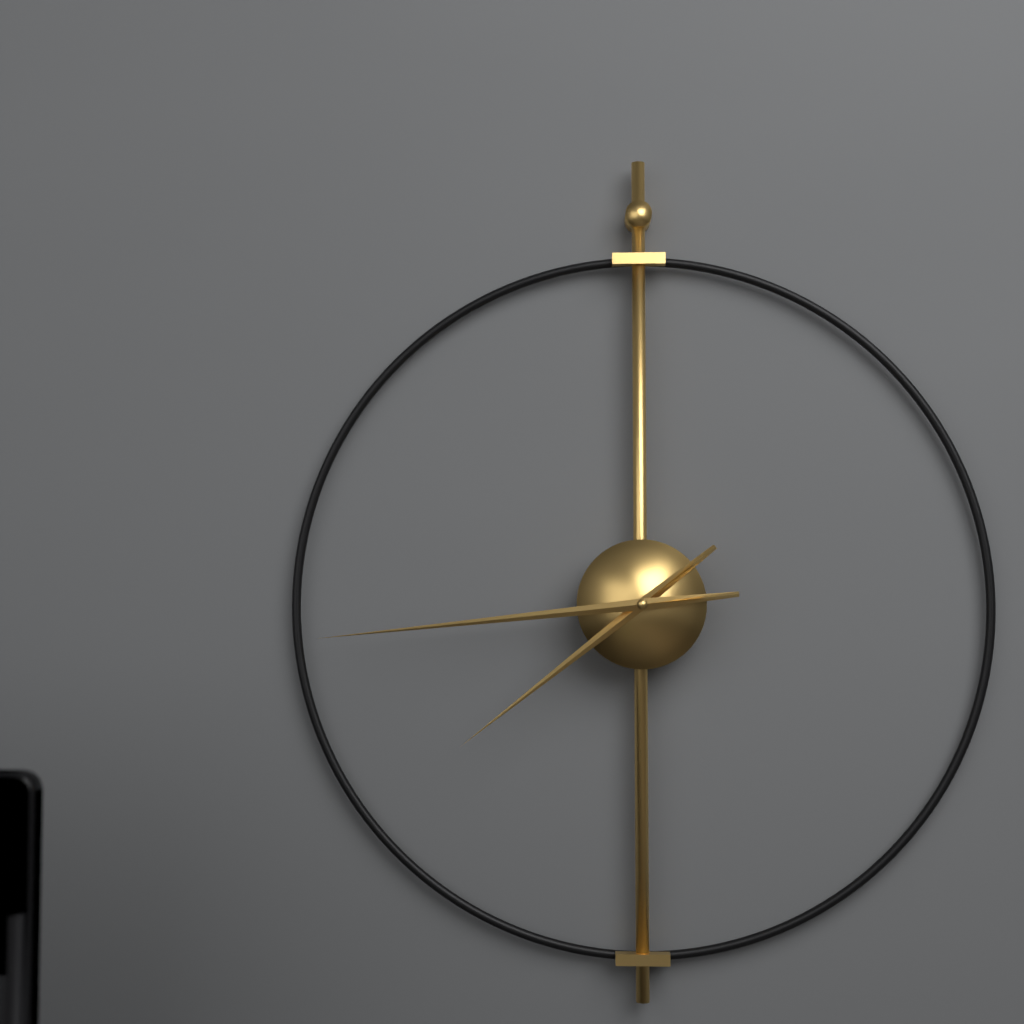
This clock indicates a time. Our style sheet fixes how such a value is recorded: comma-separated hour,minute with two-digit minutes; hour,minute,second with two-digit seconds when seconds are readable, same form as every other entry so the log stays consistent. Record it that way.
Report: 7,44
